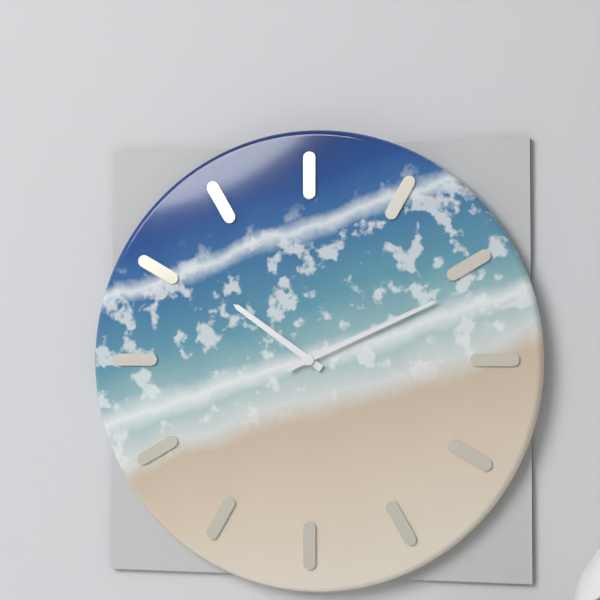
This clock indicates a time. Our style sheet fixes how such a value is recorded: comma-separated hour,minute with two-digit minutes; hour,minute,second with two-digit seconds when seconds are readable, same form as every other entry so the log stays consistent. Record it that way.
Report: 10,11
